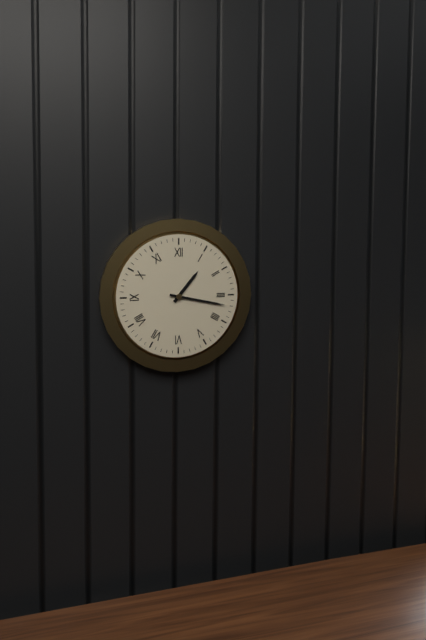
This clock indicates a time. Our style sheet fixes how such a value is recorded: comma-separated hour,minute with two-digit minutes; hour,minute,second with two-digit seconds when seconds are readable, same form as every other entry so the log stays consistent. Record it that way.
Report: 1,17
